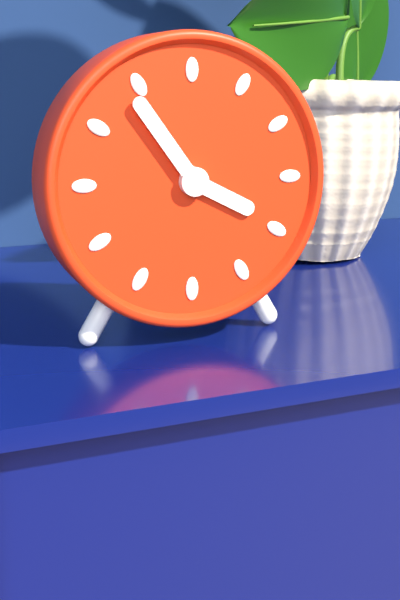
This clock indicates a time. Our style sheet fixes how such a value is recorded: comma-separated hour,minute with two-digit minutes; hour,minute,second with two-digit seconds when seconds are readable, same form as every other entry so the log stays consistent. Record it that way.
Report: 3,54
